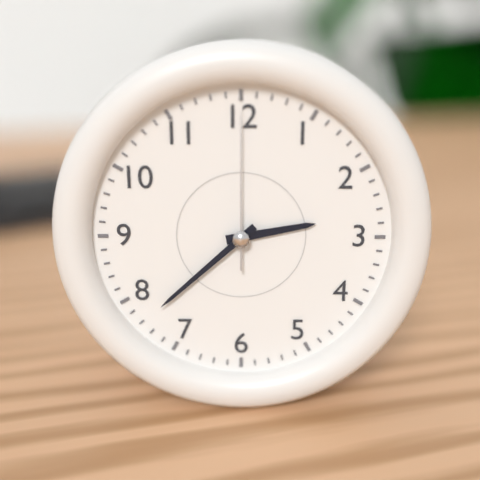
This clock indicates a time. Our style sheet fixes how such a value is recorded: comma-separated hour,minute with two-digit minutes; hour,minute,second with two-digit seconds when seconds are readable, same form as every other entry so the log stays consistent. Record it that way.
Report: 2,38,00
